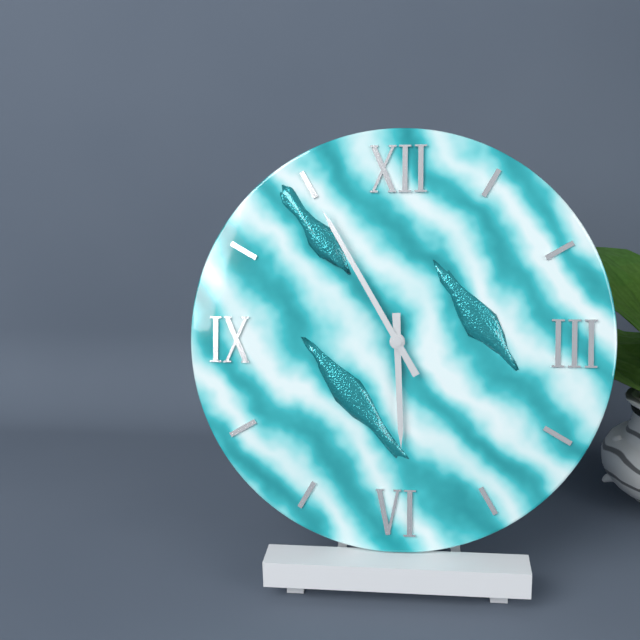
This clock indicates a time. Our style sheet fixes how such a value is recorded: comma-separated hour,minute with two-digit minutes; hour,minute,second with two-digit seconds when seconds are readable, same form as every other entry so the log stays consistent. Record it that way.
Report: 5,55
